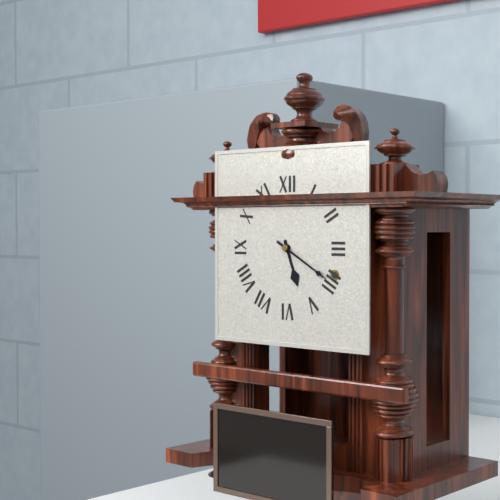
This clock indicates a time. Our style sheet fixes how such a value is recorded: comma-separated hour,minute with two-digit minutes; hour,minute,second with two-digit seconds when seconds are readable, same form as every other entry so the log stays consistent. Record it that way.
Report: 5,20
